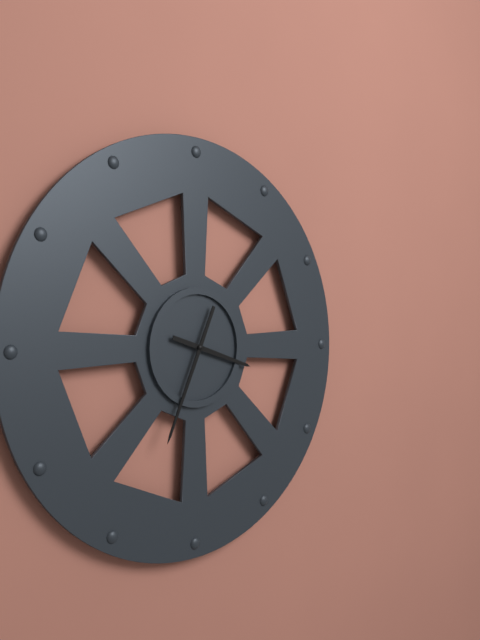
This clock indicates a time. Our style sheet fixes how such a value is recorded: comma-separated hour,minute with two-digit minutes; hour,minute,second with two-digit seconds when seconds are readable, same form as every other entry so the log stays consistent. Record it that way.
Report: 3,34
